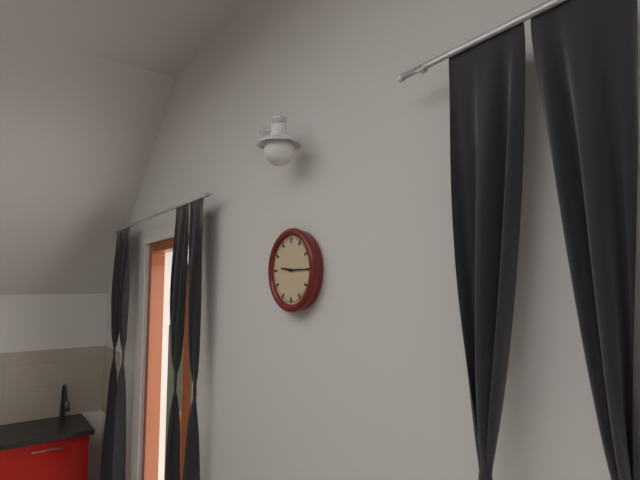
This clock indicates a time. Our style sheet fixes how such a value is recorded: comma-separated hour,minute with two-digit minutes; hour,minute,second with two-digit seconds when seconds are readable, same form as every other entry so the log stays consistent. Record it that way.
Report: 9,15
